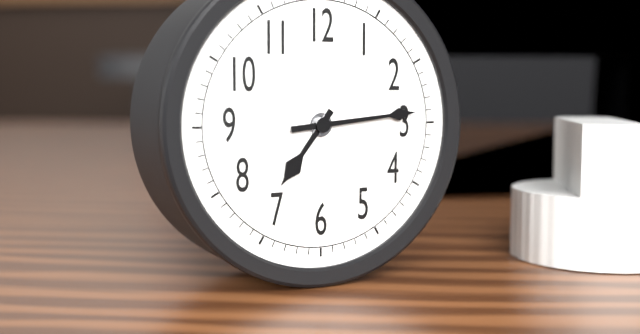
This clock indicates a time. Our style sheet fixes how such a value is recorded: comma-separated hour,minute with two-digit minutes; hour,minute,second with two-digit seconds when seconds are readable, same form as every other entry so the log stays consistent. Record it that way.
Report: 7,14
